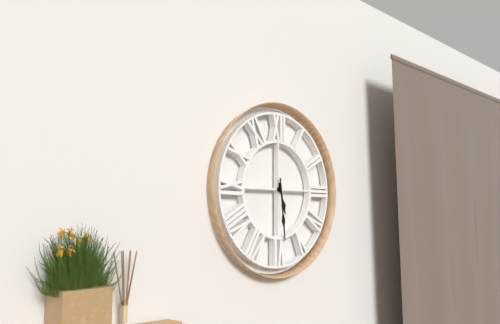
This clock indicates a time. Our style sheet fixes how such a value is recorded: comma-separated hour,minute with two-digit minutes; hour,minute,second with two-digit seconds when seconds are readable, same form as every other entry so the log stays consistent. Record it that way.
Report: 5,29
